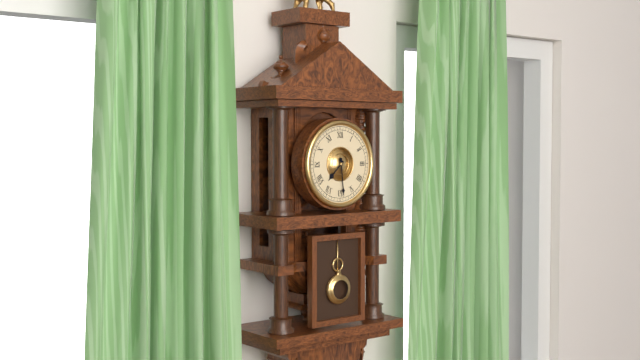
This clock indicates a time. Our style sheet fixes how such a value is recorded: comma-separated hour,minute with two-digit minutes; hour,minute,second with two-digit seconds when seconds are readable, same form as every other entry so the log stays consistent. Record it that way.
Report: 7,29
